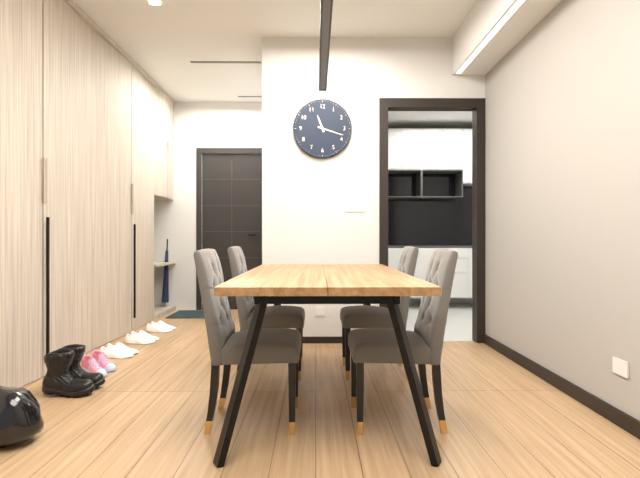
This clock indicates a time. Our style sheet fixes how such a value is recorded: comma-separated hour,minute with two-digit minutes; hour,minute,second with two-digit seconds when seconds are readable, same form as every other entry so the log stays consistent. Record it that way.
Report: 11,18
